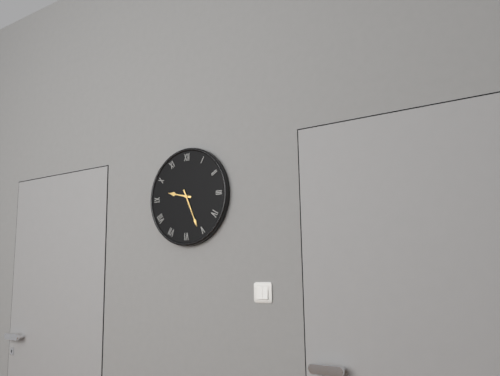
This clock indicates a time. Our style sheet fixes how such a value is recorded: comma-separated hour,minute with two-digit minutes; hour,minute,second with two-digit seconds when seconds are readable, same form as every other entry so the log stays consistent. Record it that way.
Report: 9,26
